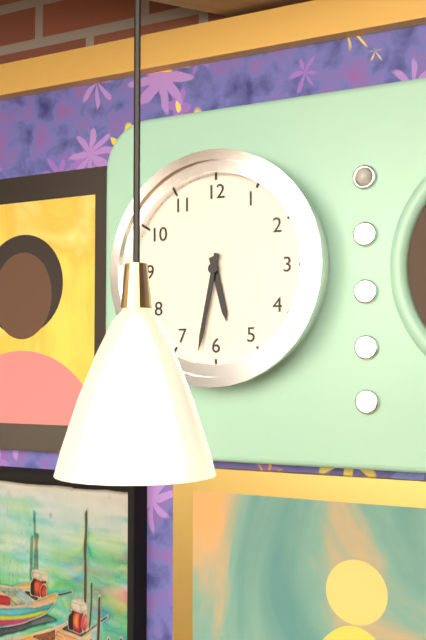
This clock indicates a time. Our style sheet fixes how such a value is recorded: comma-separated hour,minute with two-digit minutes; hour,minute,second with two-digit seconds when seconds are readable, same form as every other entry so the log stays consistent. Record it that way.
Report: 5,32
